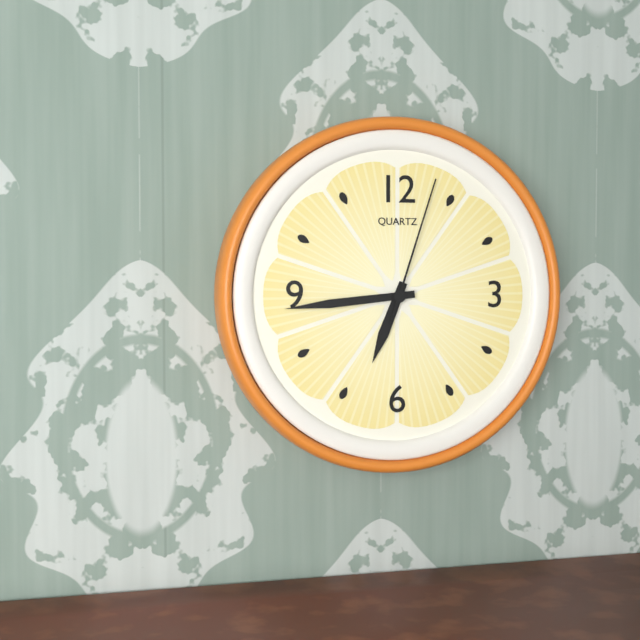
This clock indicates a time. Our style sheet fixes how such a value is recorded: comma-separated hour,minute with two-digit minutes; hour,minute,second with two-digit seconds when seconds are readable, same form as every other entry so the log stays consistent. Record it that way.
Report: 6,44,03
